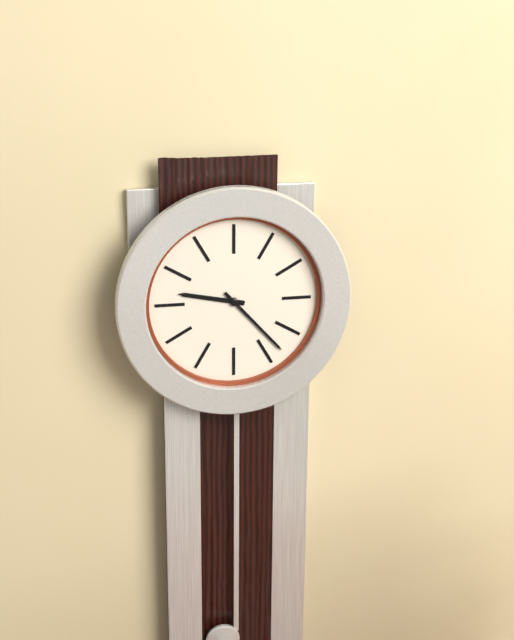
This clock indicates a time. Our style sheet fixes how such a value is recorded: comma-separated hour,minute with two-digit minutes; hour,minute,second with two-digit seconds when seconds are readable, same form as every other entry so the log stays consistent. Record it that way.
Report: 9,23
